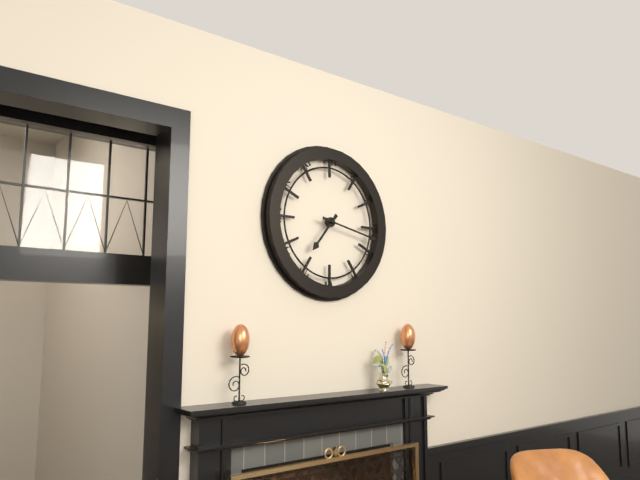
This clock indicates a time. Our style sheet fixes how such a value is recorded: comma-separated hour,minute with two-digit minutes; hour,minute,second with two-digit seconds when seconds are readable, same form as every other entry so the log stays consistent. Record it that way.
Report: 7,17
